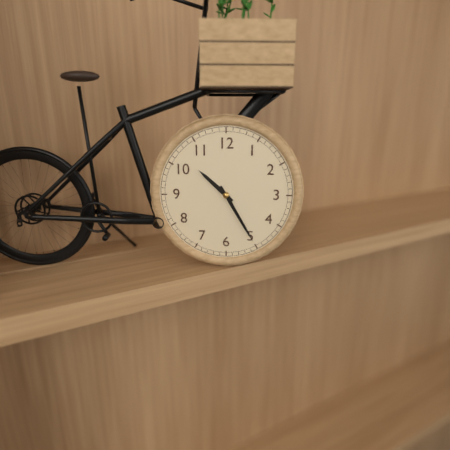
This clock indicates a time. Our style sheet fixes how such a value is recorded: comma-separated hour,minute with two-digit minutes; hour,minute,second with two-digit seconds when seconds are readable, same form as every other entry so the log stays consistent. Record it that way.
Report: 10,25
